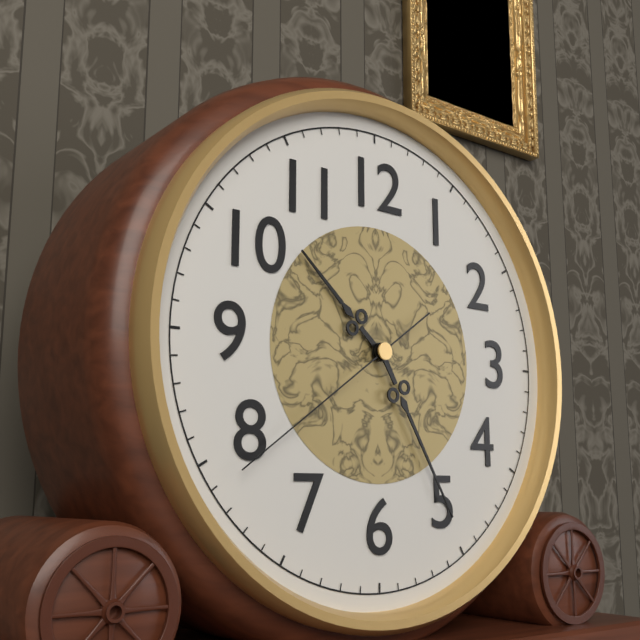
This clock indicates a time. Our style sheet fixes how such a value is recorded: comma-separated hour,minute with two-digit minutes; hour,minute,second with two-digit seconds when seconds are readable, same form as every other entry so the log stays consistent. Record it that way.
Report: 10,25,39
